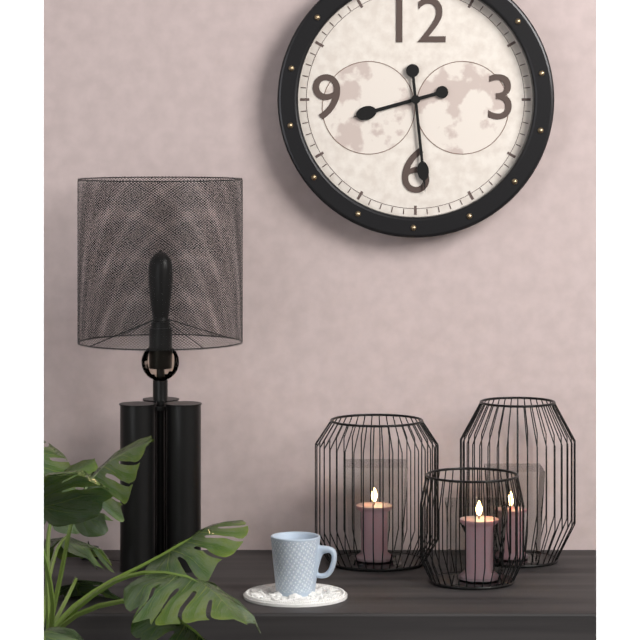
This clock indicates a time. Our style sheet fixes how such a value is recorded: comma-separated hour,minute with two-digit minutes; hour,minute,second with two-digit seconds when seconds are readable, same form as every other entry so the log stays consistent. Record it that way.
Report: 8,29
